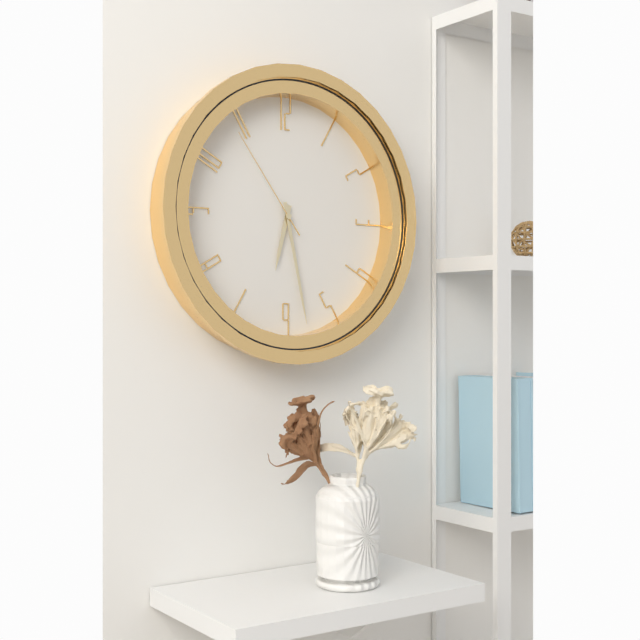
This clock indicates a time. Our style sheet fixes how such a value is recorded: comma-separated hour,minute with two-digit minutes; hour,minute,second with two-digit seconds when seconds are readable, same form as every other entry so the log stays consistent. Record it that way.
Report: 6,28,54
